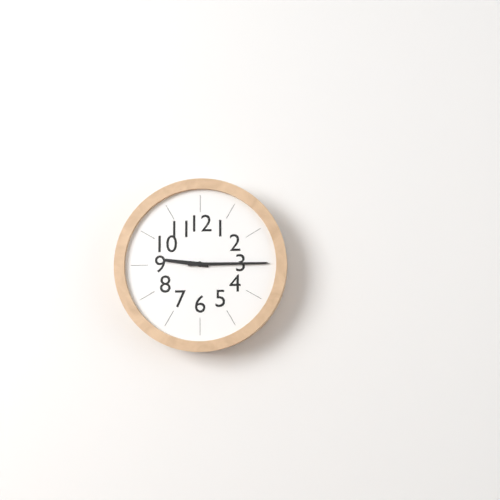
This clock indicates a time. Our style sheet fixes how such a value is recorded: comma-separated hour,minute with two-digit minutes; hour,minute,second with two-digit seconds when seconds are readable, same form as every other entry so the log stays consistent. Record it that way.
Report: 9,15
